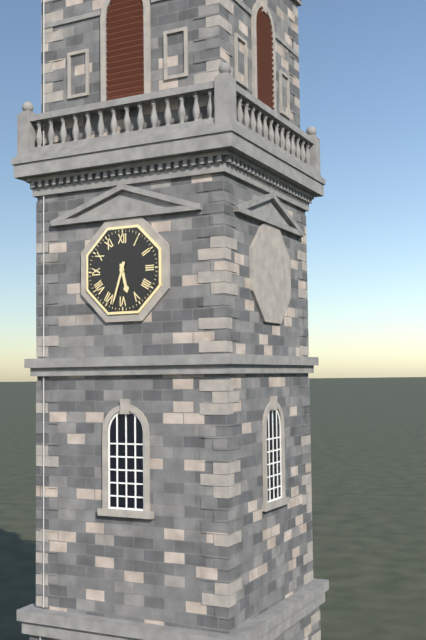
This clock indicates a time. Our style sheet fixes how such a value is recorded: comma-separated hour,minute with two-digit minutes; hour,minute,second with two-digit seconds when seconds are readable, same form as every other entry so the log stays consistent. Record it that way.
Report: 5,33
